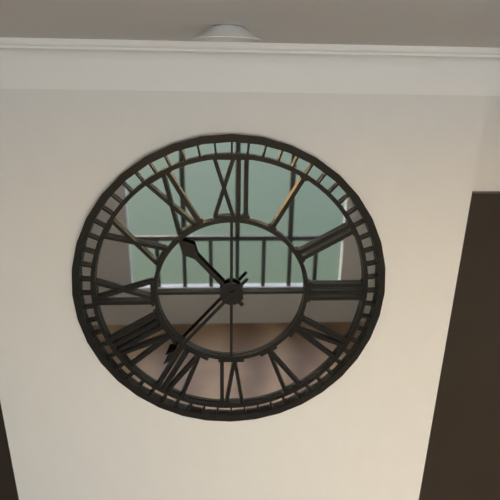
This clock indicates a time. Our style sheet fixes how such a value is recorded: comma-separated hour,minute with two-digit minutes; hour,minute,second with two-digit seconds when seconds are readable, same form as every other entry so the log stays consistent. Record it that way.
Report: 10,37
